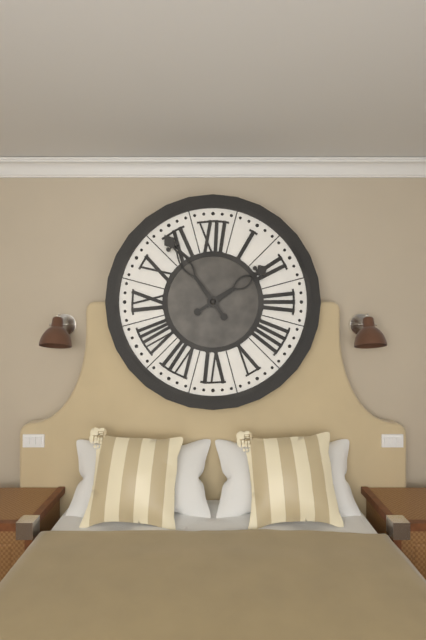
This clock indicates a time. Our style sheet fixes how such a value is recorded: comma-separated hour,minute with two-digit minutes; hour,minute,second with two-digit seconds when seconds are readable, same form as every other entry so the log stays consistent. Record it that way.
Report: 1,54
